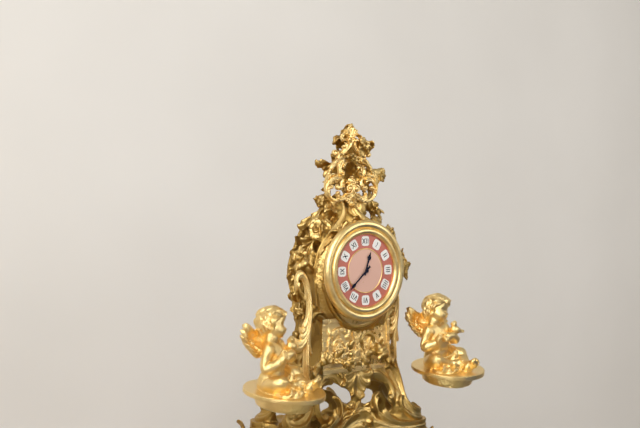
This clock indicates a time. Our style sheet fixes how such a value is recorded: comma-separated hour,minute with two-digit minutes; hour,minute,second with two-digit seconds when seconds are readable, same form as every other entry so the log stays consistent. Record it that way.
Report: 12,38
